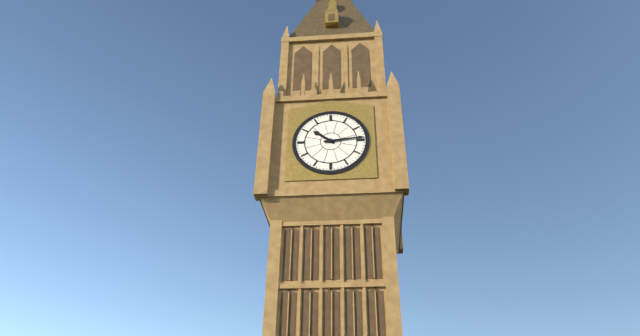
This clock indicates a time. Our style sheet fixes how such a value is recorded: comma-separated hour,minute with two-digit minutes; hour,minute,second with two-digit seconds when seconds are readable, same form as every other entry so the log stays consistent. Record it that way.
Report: 10,14
